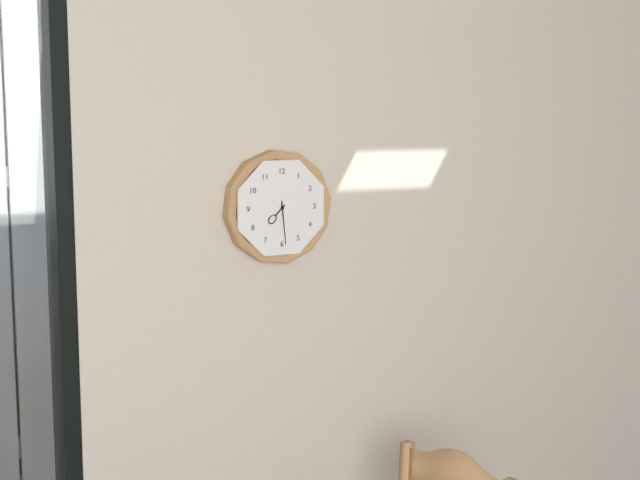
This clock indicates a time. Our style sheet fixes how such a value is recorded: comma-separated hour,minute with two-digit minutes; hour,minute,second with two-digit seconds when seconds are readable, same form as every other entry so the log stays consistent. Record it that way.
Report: 7,29
